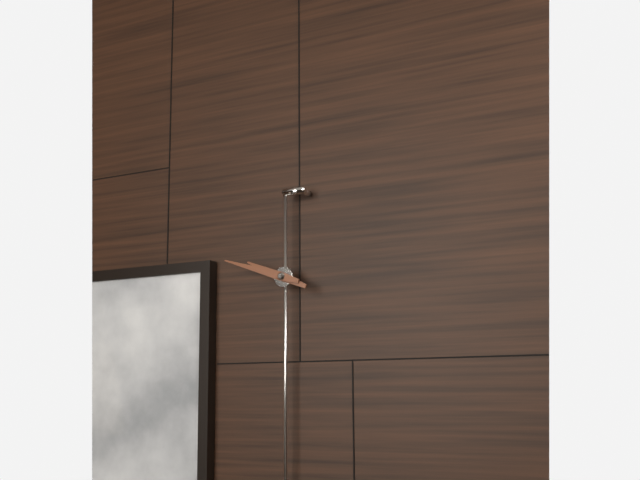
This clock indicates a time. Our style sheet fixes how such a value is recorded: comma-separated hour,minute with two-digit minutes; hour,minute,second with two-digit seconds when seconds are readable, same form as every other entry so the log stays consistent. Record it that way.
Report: 9,48
